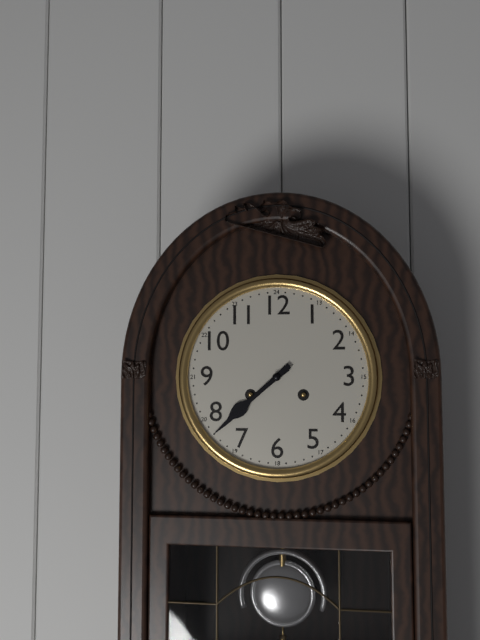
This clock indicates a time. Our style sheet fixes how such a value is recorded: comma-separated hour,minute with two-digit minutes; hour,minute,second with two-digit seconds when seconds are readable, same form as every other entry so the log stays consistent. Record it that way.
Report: 7,38
